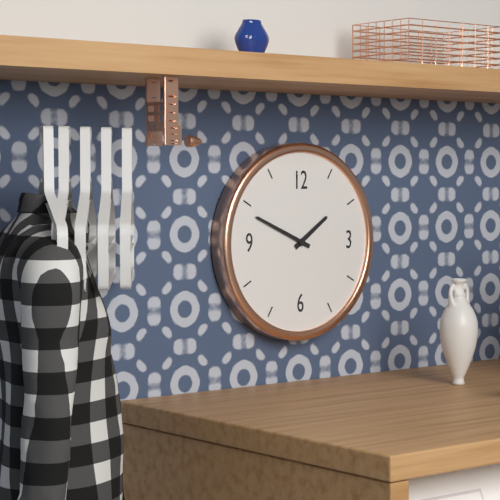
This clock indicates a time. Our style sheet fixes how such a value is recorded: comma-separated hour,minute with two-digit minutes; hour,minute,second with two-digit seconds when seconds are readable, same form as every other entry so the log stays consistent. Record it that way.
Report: 1,49
